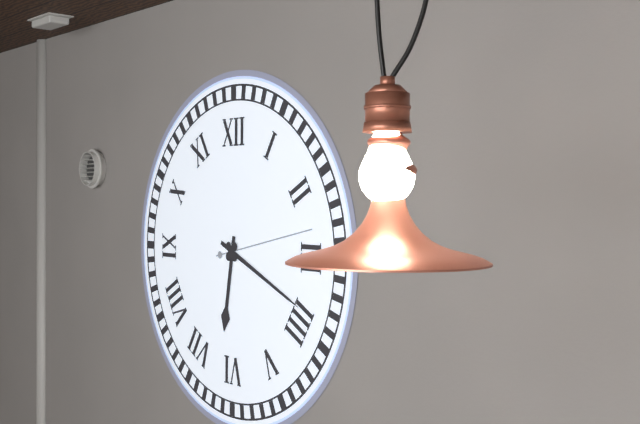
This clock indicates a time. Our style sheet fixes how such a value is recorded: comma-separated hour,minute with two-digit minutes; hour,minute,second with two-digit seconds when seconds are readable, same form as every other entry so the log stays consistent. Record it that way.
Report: 6,19,13
